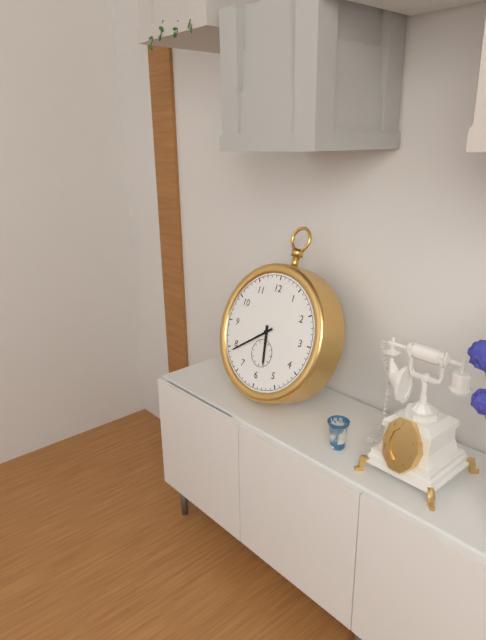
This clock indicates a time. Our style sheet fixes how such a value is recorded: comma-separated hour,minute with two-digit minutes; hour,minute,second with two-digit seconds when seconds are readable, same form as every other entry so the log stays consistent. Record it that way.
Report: 5,39
